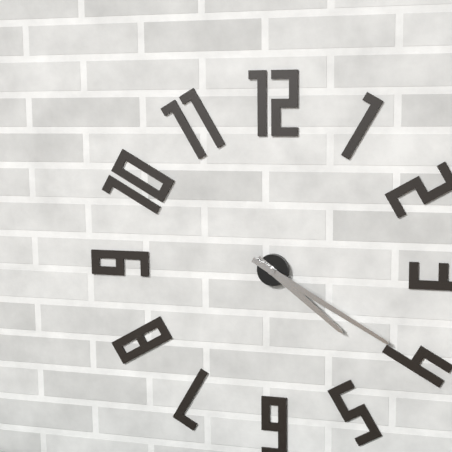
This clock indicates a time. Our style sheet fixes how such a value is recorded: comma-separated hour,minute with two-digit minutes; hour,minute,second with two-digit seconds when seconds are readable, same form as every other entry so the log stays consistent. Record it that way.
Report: 4,20
